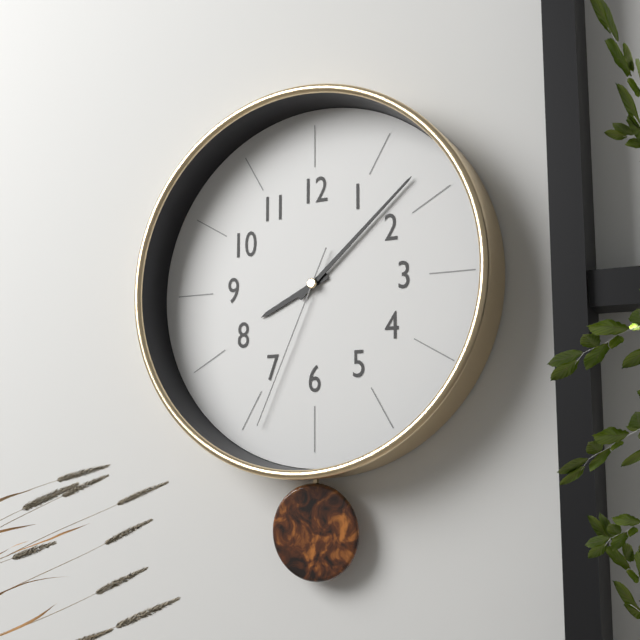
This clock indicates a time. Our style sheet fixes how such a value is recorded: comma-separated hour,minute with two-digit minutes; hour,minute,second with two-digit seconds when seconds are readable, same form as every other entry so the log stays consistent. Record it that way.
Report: 8,08,34
